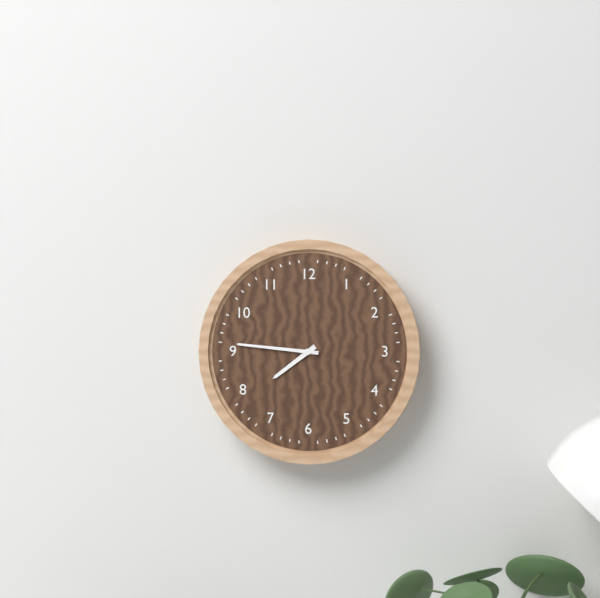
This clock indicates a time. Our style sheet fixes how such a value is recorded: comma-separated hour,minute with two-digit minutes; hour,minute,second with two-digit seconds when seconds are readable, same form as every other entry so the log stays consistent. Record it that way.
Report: 7,46
